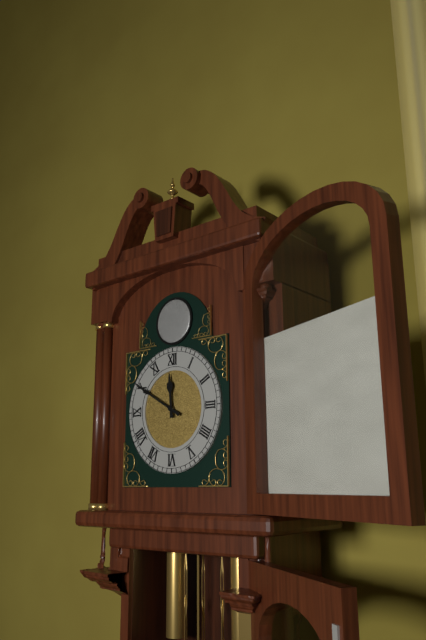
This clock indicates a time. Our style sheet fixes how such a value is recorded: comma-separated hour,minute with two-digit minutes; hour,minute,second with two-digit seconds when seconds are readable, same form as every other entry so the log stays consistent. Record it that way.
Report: 11,50
